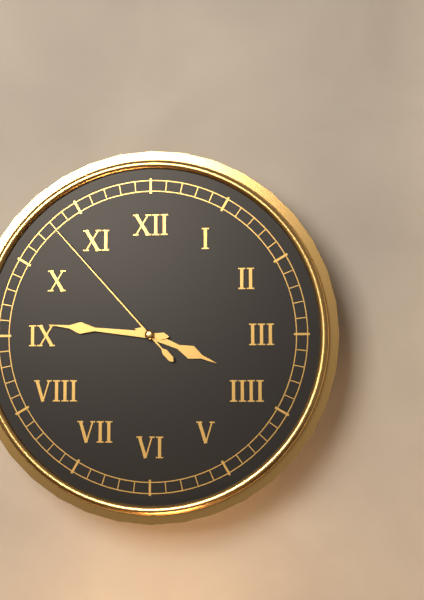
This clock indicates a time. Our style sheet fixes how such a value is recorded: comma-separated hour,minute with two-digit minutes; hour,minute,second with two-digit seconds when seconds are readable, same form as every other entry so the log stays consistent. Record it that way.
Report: 3,46,53
